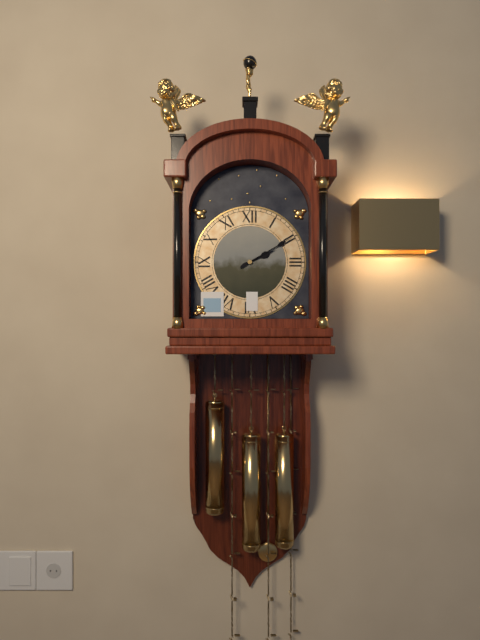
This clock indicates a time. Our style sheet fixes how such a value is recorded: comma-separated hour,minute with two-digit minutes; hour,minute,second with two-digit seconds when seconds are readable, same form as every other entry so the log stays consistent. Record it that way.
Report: 2,10
